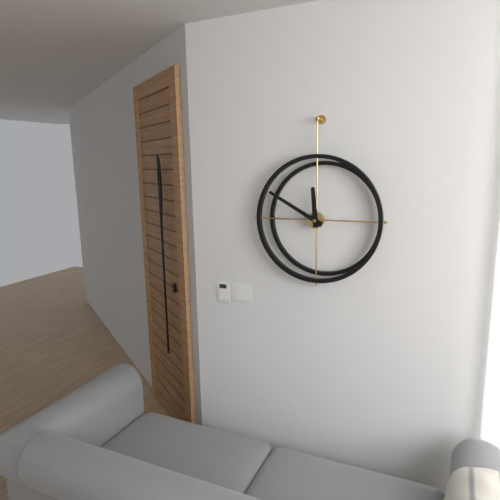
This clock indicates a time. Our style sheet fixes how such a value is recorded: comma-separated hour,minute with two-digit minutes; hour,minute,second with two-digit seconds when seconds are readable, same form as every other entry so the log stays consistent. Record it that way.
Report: 11,50
